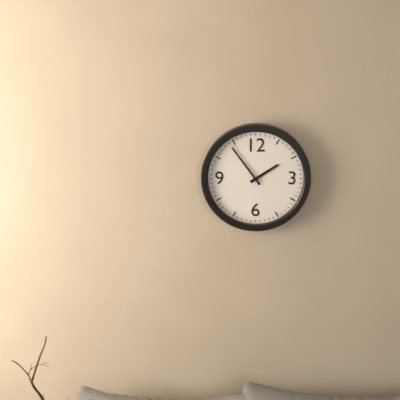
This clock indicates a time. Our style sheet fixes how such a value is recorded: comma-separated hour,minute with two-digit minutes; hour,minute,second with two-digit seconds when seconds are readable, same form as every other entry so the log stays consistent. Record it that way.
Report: 1,54
